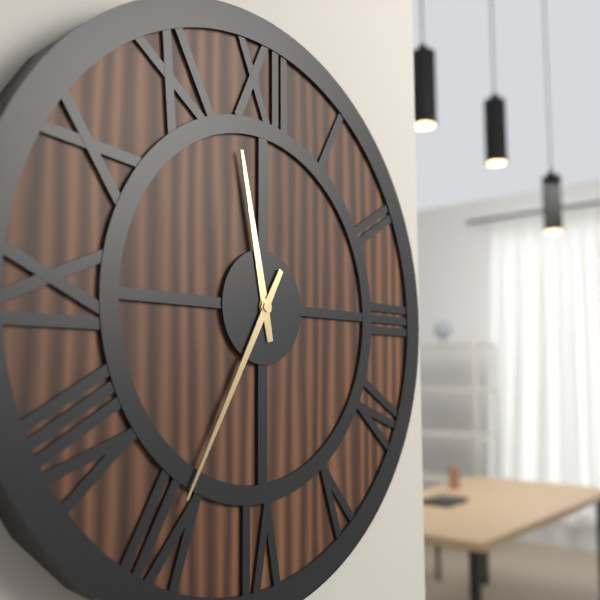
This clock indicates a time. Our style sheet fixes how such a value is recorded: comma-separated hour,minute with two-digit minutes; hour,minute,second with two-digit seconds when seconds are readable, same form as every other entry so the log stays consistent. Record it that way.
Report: 11,35
